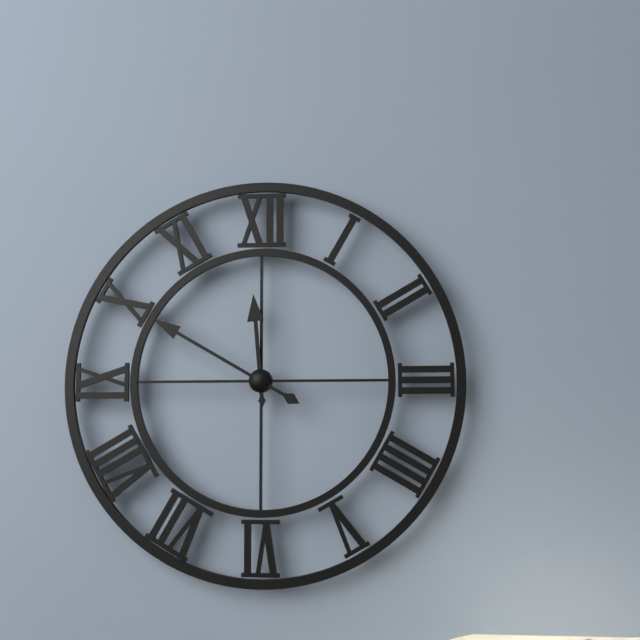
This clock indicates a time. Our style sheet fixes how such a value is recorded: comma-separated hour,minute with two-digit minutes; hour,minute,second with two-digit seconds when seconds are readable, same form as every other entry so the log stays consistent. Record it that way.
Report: 11,50
